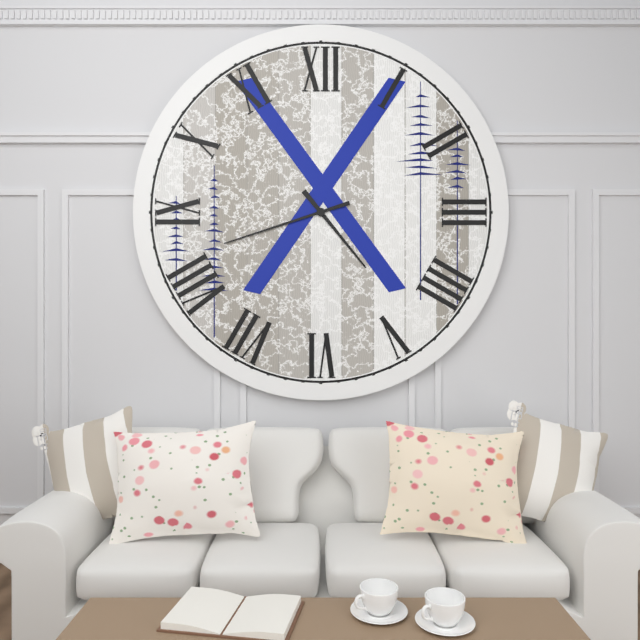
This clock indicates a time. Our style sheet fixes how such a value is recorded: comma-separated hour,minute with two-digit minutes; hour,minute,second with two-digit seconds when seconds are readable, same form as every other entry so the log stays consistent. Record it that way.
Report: 4,42
